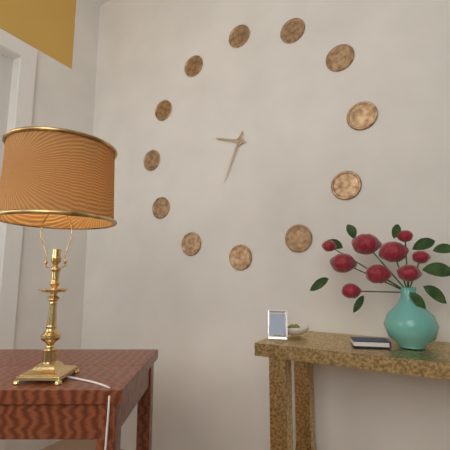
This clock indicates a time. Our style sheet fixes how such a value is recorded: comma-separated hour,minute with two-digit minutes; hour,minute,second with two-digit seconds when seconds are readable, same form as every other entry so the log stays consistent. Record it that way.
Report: 9,34
